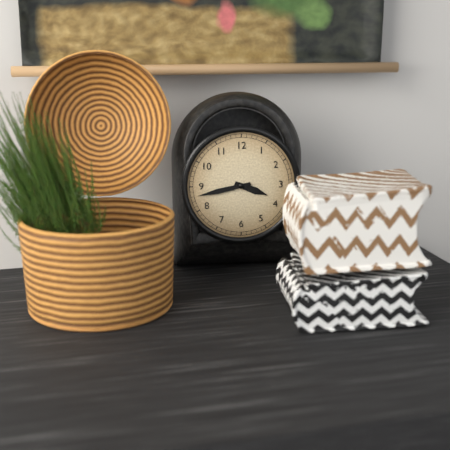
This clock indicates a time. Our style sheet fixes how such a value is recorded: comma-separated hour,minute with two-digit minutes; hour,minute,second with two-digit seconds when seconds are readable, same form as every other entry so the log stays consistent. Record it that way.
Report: 3,43
